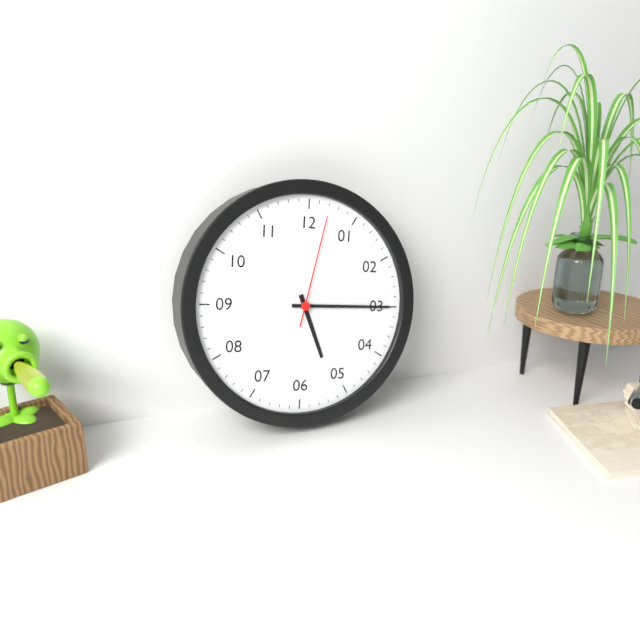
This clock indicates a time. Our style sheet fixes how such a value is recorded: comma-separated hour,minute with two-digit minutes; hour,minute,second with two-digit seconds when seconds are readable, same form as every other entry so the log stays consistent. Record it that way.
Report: 5,15,02
